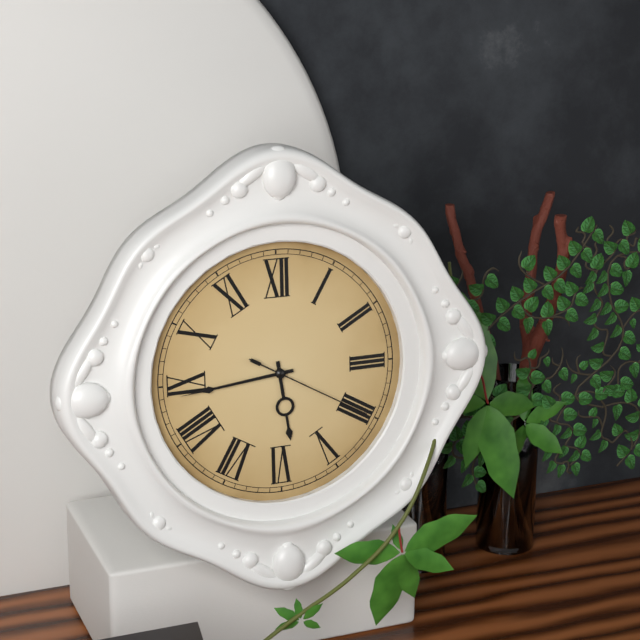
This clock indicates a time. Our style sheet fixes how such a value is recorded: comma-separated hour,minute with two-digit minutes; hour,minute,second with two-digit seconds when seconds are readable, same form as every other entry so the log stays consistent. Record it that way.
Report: 5,44,20
